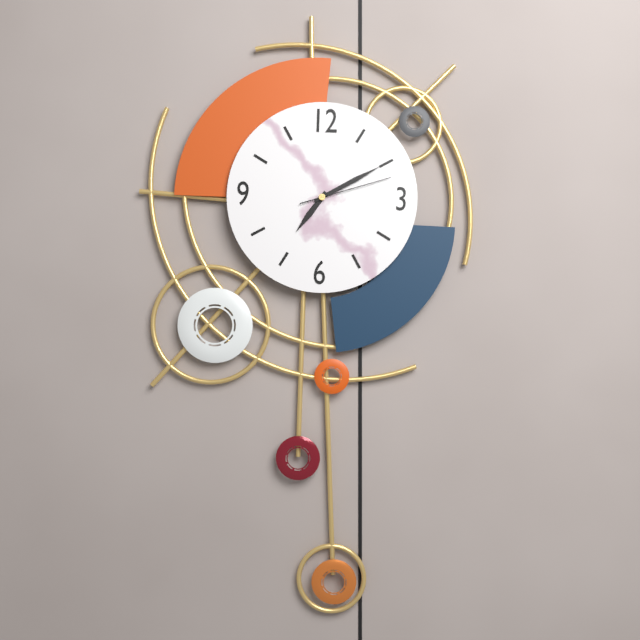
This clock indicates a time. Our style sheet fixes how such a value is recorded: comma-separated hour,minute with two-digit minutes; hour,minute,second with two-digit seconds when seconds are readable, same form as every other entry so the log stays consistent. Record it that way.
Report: 7,10,12
